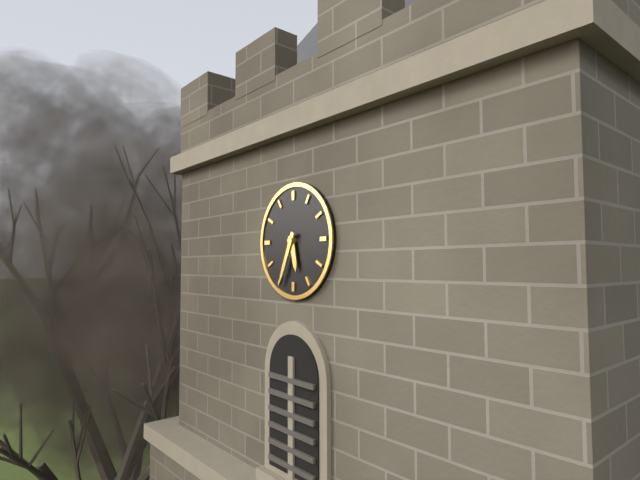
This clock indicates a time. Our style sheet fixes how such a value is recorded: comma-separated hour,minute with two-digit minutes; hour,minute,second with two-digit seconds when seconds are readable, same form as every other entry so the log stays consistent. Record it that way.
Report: 5,34
